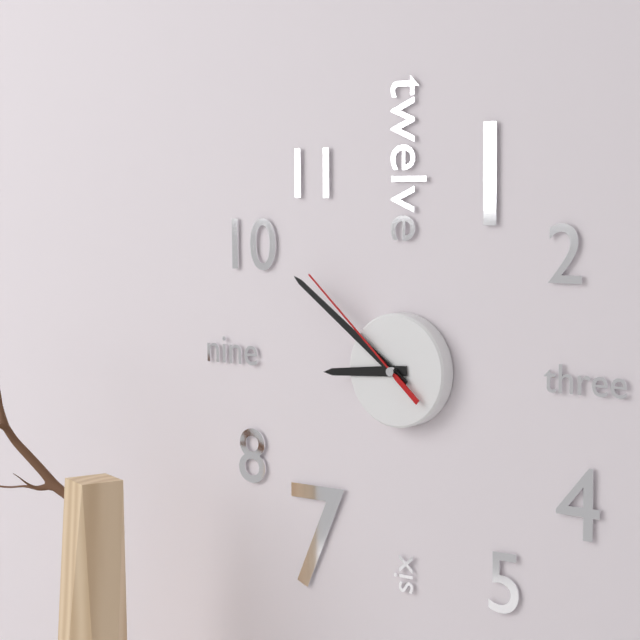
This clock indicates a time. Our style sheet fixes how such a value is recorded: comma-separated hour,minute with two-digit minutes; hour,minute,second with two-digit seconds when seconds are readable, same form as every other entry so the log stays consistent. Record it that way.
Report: 8,51,52
